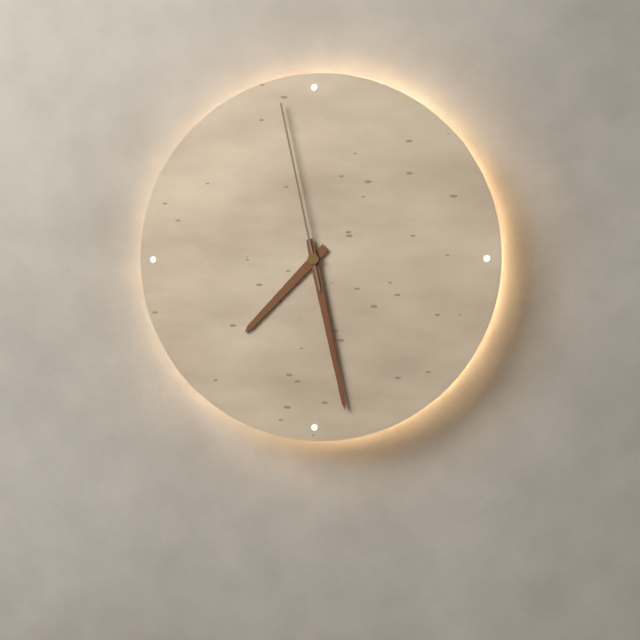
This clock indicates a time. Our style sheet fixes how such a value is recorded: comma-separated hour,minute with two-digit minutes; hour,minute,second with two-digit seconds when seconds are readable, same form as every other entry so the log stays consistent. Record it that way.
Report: 7,28,58
